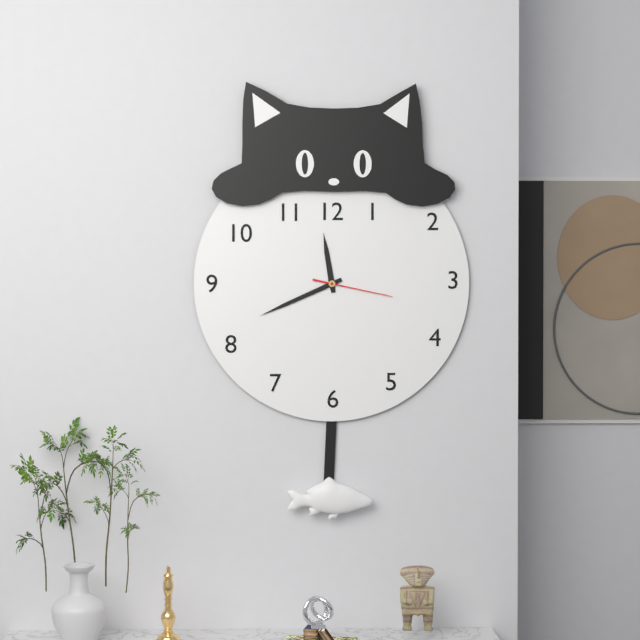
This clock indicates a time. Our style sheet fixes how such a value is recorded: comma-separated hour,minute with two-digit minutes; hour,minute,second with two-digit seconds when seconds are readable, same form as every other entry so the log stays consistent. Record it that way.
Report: 11,41,17
